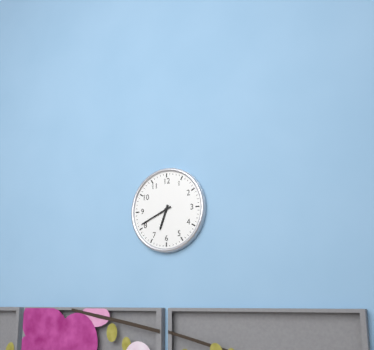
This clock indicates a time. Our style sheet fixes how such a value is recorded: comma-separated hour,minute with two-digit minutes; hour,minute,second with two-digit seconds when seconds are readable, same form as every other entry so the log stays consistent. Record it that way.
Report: 6,41
